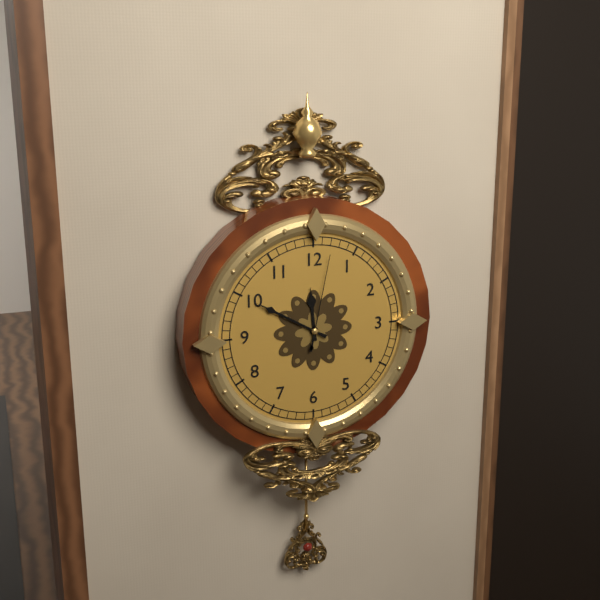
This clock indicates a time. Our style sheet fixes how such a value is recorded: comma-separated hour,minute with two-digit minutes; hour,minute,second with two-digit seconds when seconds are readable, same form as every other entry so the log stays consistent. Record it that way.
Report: 11,50,02
